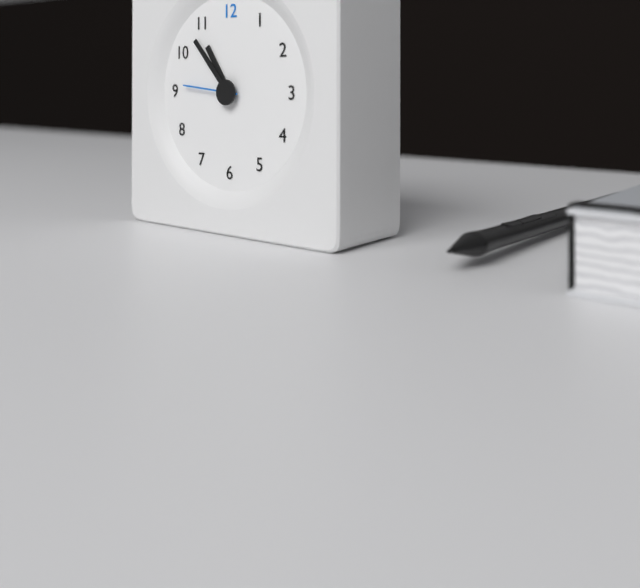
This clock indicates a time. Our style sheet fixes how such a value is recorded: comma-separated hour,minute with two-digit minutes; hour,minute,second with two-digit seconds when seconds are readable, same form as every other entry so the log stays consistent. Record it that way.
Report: 10,53,46
